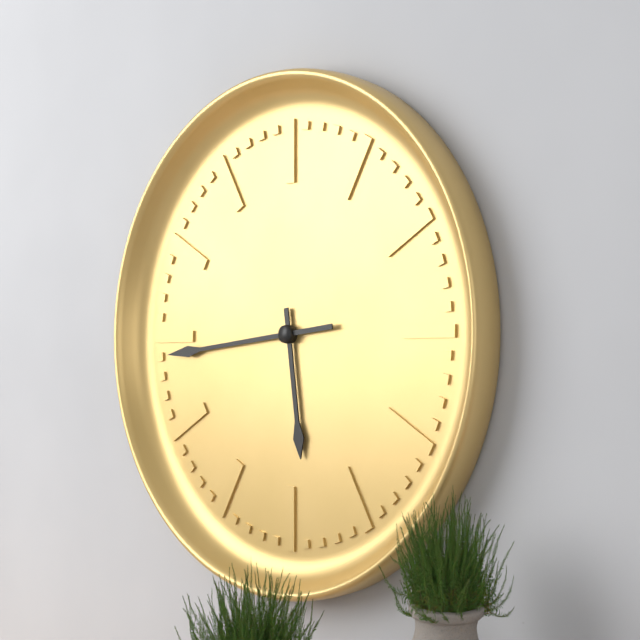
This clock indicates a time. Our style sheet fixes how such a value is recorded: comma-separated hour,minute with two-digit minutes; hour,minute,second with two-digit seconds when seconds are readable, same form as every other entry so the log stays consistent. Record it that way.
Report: 5,44
